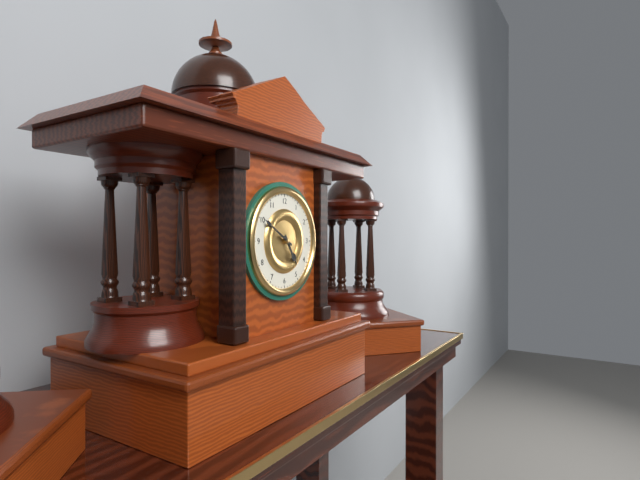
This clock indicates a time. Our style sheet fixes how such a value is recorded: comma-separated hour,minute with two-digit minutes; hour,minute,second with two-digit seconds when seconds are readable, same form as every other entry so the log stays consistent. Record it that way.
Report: 4,50
